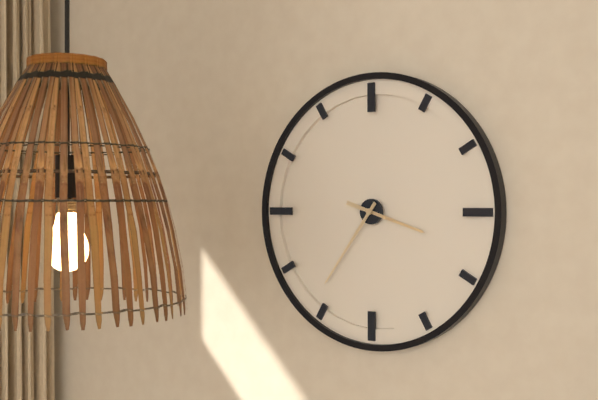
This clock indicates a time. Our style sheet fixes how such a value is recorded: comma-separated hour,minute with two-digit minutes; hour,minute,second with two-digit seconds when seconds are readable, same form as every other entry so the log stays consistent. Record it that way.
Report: 3,36
